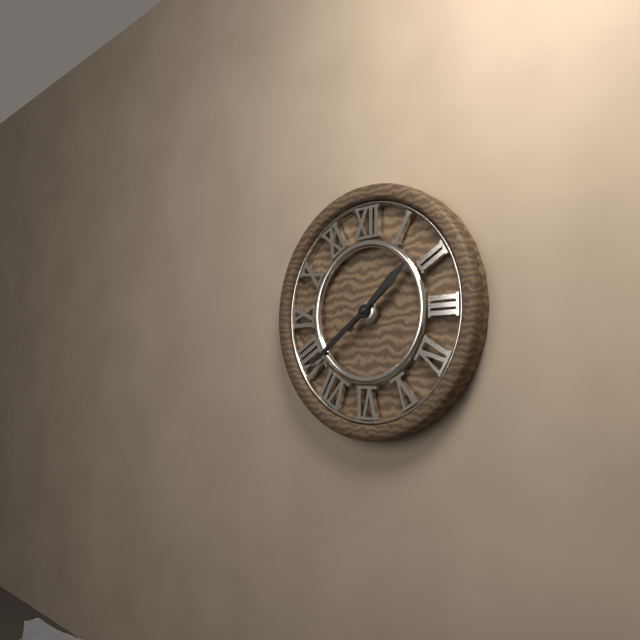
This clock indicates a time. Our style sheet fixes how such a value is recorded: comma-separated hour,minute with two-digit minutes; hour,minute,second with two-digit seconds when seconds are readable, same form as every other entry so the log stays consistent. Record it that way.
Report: 1,39
